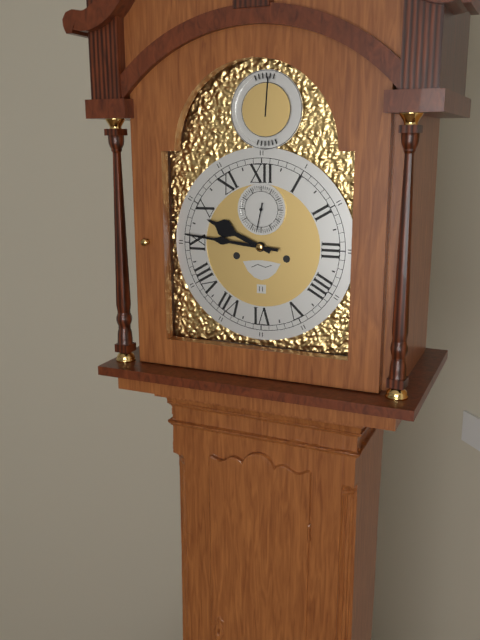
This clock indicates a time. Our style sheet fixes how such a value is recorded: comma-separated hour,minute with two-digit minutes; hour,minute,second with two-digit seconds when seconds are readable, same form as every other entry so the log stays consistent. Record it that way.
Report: 9,46
